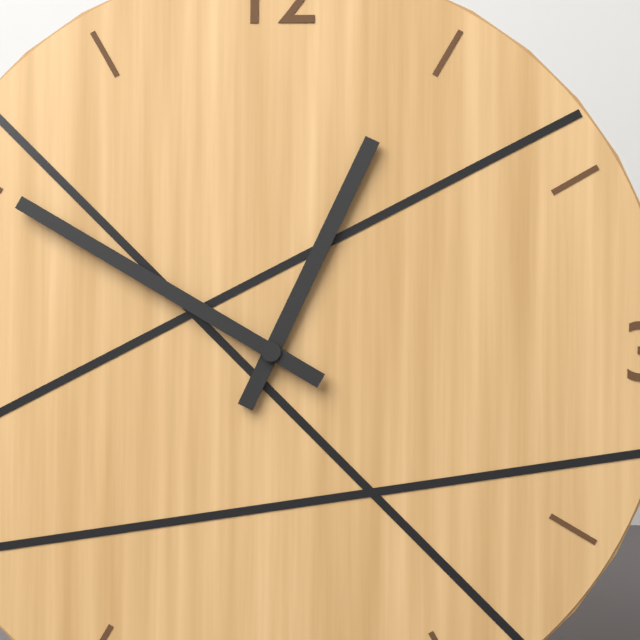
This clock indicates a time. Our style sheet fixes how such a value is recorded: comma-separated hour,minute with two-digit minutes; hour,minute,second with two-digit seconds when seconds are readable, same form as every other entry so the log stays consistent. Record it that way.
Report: 12,50
